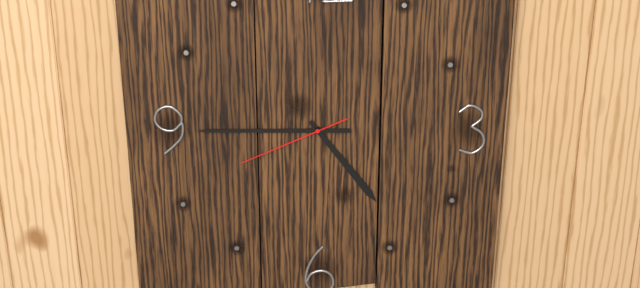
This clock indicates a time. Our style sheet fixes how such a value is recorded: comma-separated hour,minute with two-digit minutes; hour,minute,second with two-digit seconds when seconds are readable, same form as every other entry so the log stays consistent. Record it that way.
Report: 4,45,41
